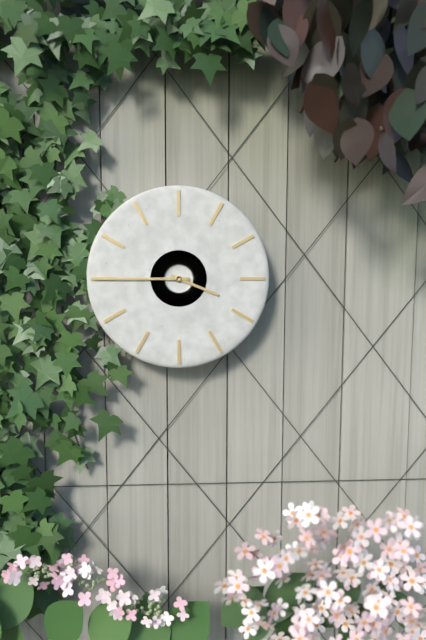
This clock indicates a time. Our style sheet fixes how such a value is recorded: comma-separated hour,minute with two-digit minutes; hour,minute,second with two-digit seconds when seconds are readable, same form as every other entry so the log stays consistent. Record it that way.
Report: 3,45
